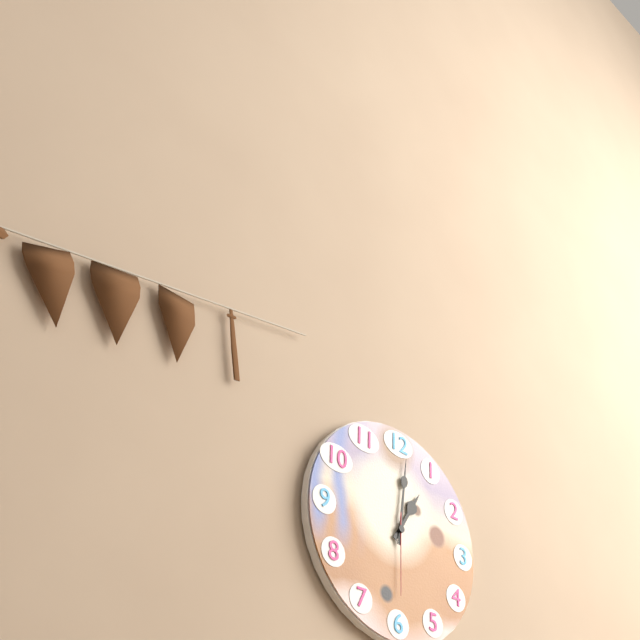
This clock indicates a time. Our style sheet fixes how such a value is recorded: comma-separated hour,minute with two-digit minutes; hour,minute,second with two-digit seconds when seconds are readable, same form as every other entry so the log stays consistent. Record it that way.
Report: 1,01,30
